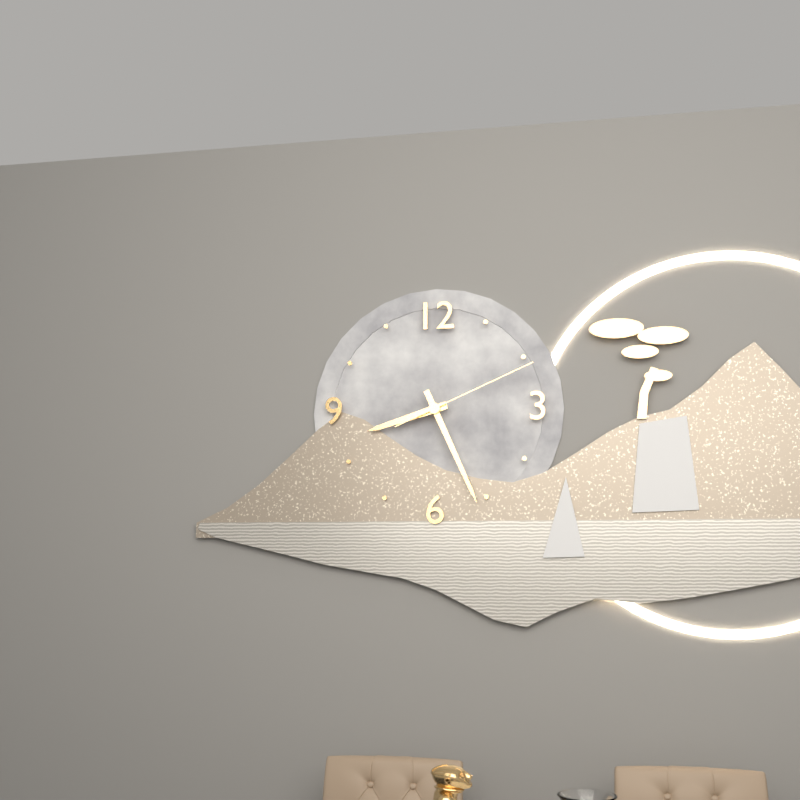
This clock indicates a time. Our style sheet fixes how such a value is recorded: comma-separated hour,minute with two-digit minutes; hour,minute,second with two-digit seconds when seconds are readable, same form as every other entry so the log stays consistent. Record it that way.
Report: 8,26,11
